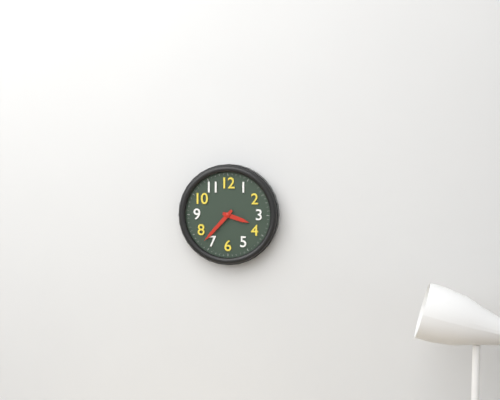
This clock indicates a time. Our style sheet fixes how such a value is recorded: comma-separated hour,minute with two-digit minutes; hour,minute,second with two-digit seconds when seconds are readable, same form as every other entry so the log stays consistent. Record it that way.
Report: 3,37
